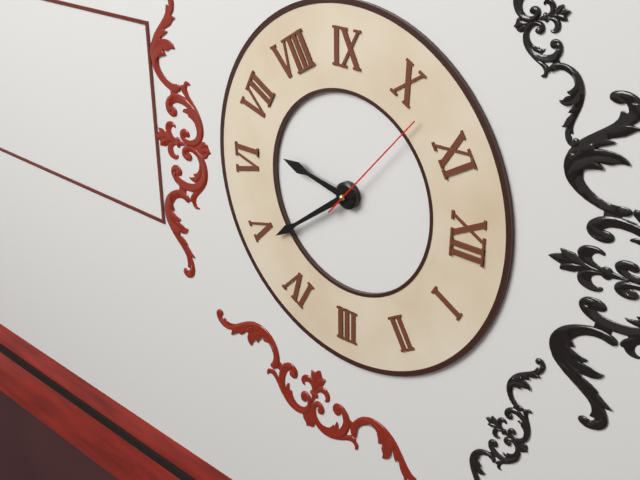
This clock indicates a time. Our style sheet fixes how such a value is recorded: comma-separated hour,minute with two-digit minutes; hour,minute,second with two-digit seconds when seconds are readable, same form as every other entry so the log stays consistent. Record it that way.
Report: 6,24,52
